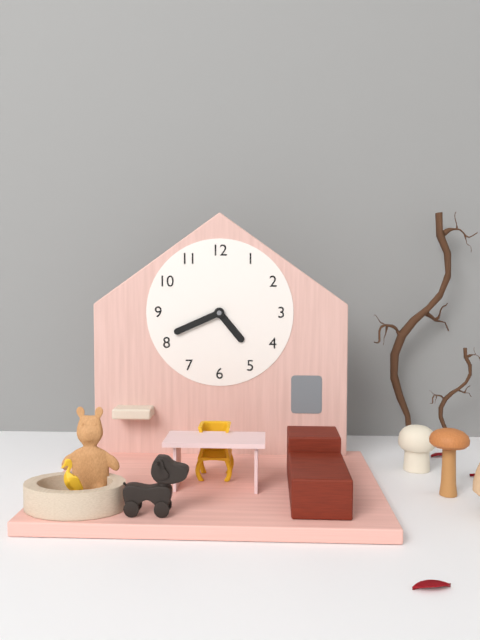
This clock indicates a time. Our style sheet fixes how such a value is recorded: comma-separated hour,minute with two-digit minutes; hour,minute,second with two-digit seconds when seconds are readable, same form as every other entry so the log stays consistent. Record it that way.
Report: 4,41
